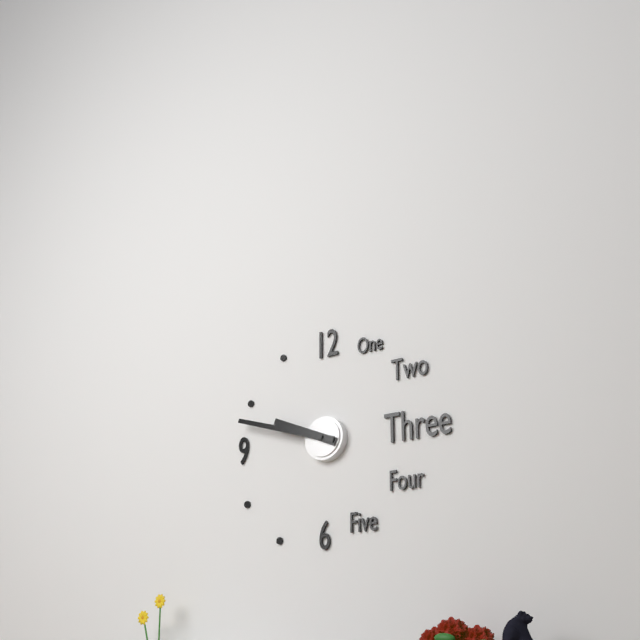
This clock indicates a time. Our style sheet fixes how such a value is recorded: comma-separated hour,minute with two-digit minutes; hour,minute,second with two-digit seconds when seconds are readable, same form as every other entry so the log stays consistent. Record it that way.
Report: 9,48
